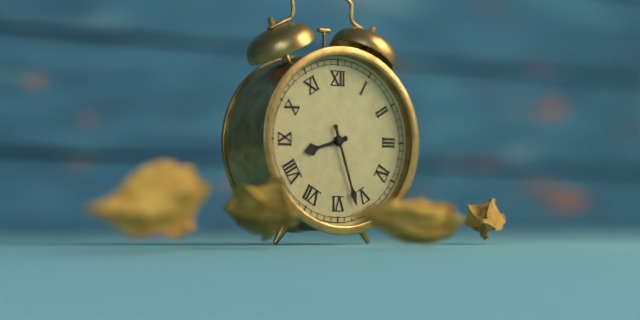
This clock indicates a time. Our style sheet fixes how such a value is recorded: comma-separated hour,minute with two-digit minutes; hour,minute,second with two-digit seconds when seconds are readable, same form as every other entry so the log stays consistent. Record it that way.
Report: 8,27
